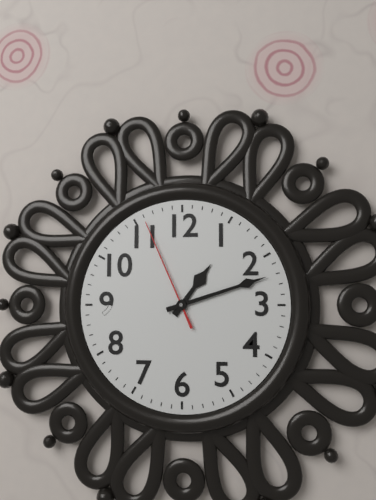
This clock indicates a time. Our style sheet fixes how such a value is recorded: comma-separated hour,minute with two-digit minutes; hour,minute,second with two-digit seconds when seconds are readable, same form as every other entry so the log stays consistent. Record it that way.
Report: 1,12,56
